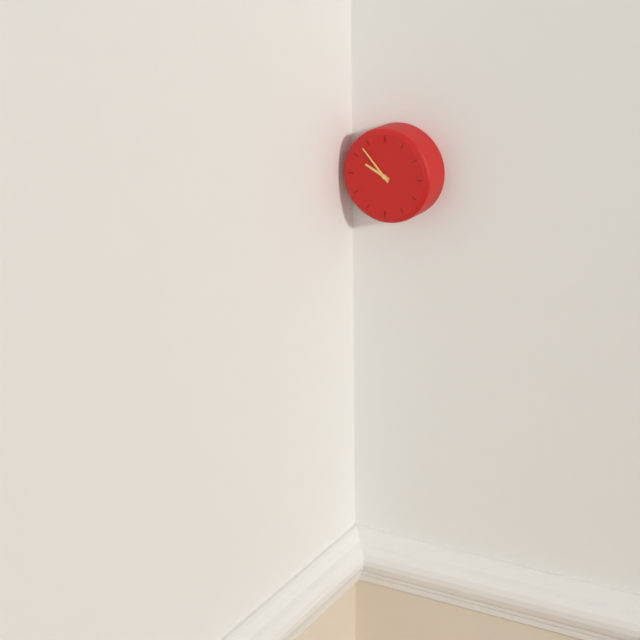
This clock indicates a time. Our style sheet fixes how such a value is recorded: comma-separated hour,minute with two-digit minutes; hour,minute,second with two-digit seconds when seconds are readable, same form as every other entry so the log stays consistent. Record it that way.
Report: 9,53
